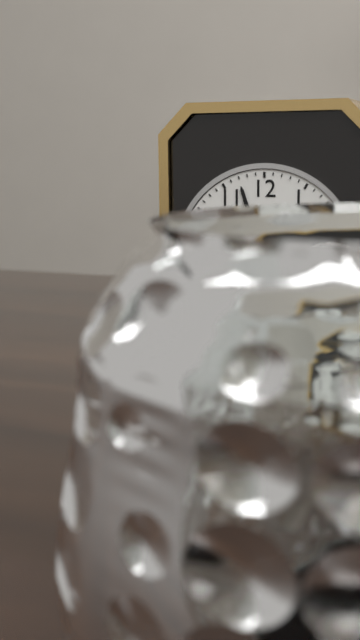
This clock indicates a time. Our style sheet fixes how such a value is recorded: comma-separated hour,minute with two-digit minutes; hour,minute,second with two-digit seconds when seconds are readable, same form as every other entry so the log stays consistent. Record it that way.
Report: 9,57
